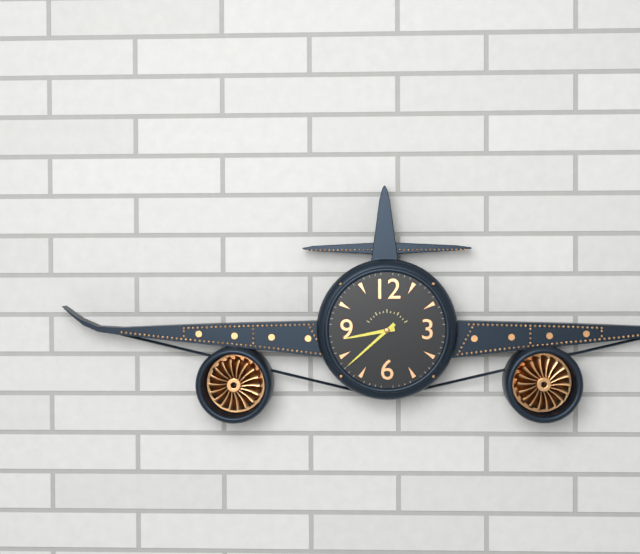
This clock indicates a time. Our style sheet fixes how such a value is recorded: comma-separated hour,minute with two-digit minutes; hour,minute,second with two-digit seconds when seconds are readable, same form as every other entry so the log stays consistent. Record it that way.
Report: 8,38
